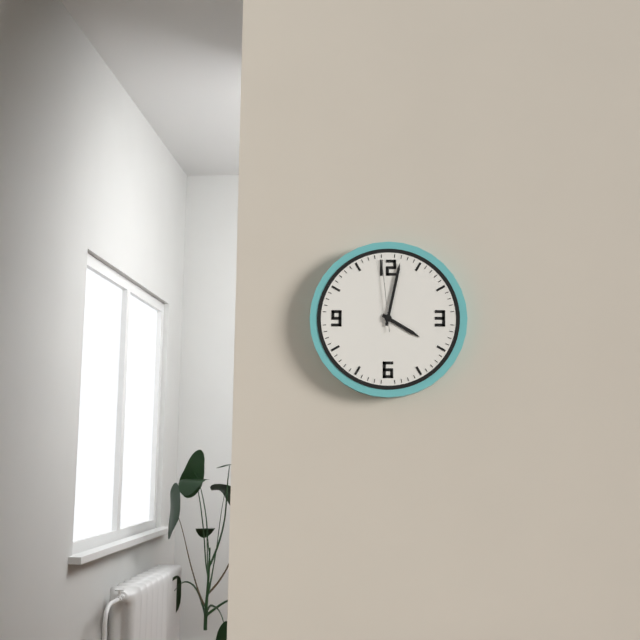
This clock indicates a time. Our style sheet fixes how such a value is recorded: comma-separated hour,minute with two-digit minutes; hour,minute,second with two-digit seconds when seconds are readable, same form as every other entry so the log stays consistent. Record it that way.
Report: 4,02,59
